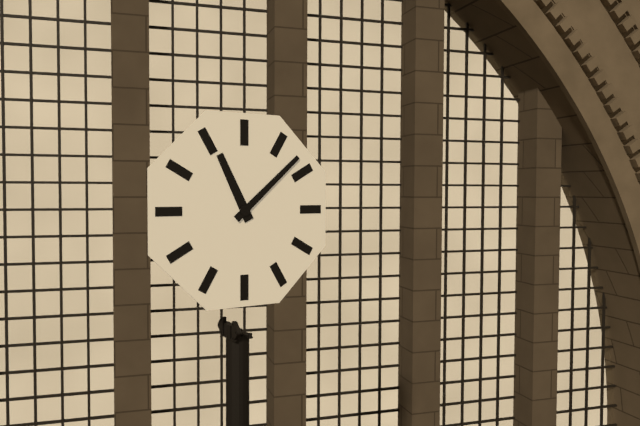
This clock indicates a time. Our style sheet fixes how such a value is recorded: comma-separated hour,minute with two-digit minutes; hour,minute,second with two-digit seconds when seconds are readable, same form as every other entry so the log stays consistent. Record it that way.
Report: 11,08
